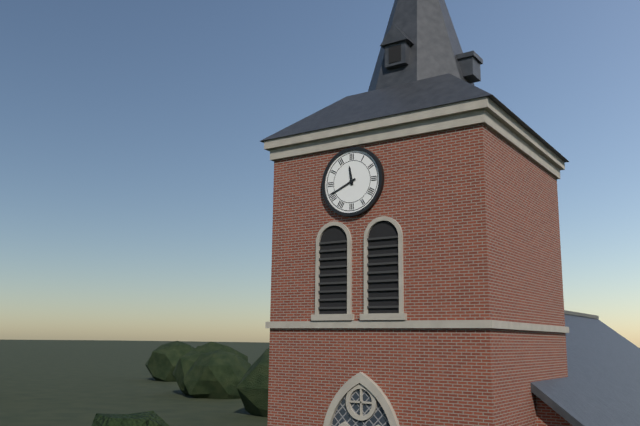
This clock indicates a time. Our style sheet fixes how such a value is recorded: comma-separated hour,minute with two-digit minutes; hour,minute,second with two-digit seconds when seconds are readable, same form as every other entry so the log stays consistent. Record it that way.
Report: 11,41
